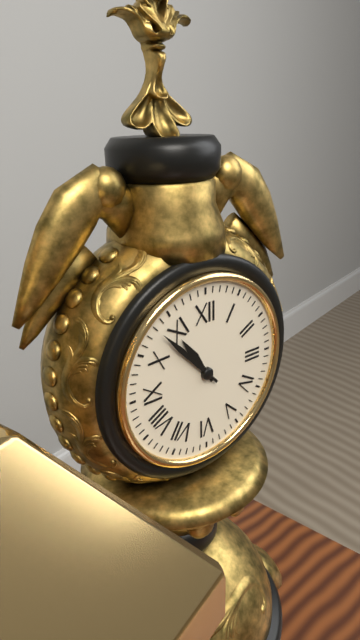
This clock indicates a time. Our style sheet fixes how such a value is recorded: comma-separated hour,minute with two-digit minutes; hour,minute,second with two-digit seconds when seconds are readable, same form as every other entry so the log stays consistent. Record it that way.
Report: 10,53
